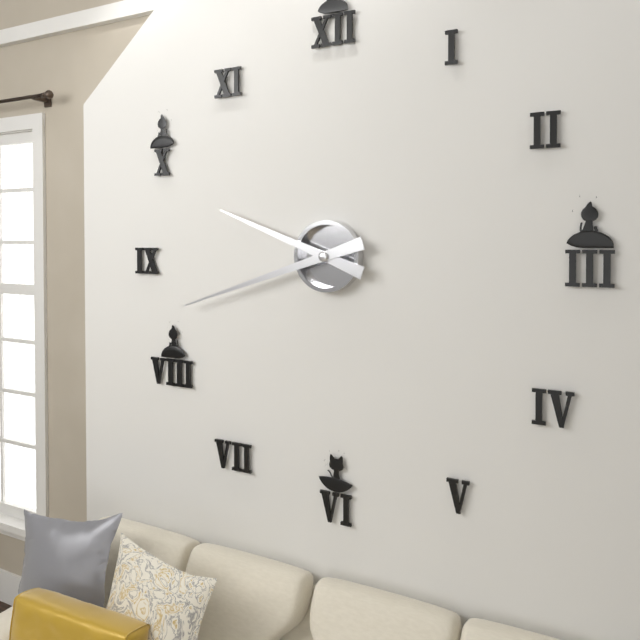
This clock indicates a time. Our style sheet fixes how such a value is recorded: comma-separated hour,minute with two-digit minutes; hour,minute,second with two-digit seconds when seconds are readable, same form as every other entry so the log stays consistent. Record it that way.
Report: 9,42
